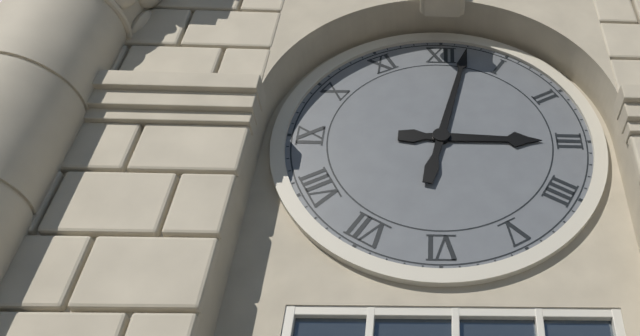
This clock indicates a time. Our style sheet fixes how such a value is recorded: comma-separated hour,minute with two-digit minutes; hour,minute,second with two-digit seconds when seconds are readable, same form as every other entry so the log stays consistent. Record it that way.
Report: 3,02
